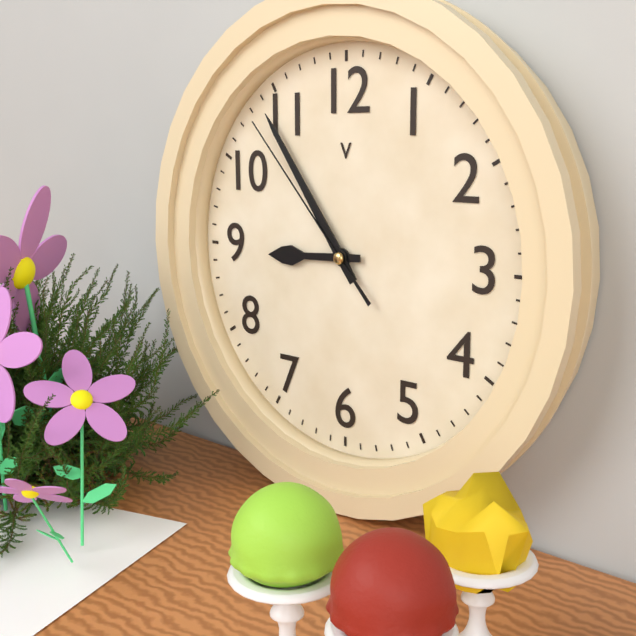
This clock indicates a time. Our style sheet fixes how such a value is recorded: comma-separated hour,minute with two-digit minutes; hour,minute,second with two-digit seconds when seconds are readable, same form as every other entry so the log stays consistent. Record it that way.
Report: 8,54,53
